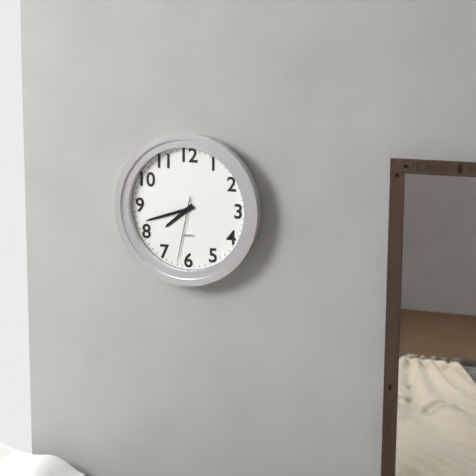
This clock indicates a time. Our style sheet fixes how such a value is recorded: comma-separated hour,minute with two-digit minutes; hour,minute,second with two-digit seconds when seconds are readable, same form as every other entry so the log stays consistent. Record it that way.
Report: 7,42,32
